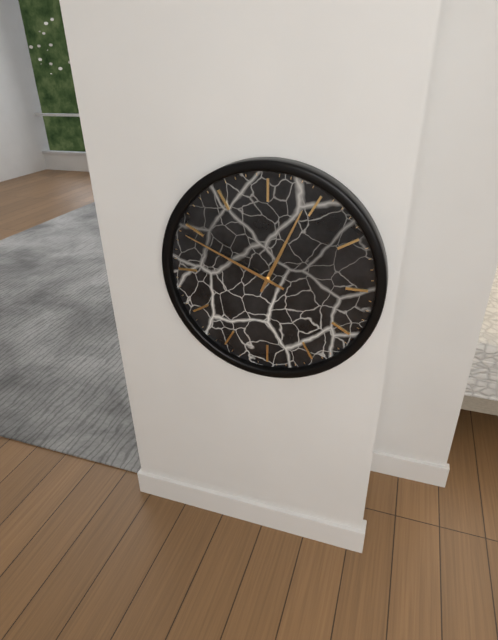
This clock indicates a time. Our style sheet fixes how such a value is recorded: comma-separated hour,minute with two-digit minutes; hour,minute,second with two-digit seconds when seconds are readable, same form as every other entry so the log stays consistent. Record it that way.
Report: 12,49
